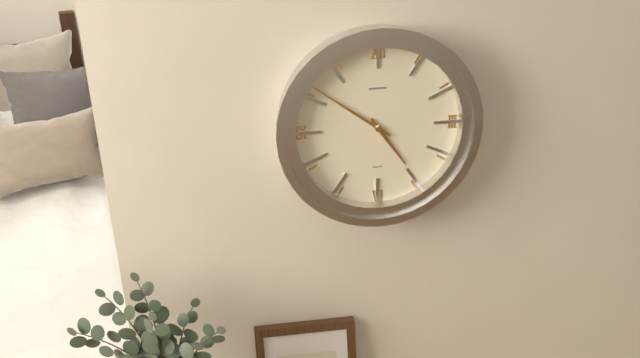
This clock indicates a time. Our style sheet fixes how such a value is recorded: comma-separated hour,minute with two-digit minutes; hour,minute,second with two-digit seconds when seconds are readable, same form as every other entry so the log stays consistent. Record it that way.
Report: 4,51
